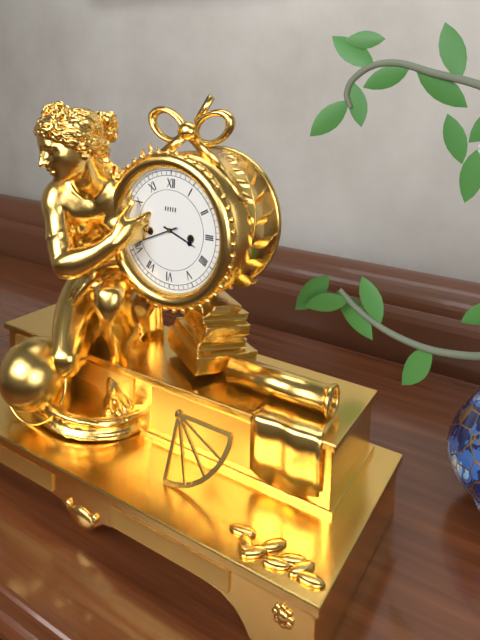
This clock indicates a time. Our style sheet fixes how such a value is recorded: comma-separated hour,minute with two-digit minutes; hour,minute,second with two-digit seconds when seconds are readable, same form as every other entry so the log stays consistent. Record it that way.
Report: 3,41
